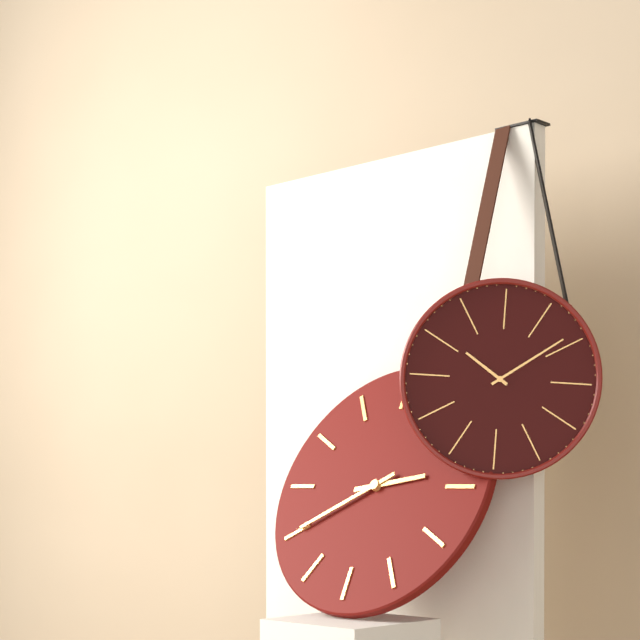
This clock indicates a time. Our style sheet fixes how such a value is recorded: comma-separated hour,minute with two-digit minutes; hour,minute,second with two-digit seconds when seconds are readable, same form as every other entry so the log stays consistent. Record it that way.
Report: 2,40
